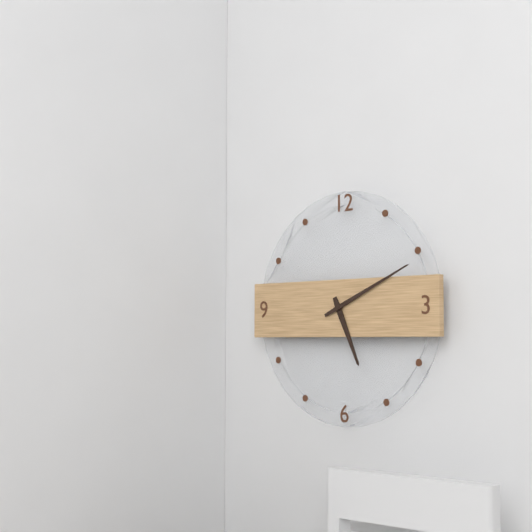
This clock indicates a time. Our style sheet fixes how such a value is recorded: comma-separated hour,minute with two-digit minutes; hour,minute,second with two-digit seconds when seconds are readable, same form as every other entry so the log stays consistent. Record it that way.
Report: 5,11
